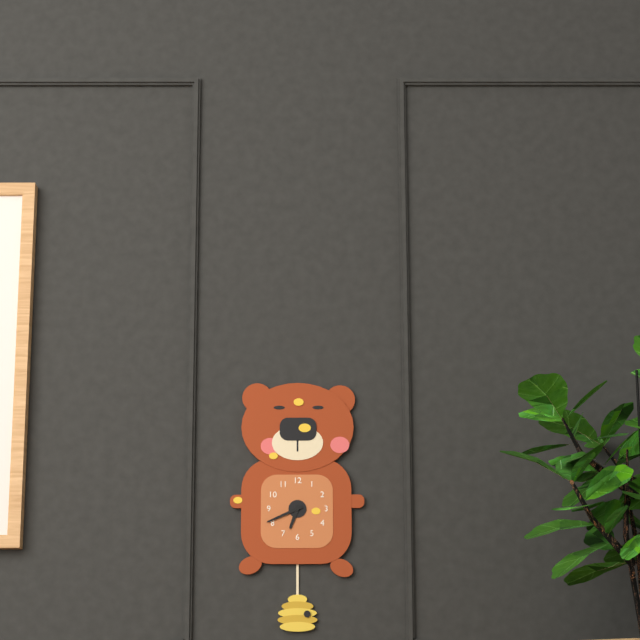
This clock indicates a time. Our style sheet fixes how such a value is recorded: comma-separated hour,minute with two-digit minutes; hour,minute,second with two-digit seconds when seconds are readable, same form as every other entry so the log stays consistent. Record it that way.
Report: 6,41
